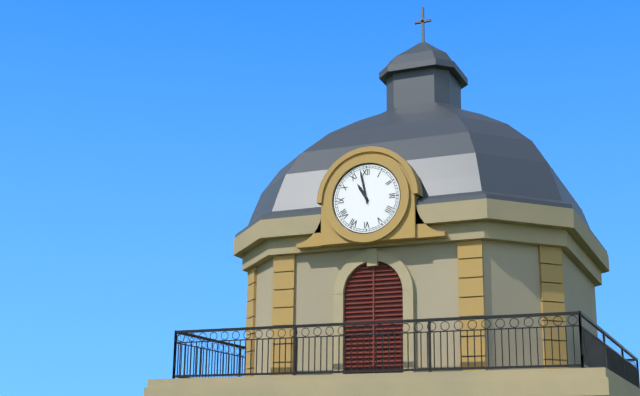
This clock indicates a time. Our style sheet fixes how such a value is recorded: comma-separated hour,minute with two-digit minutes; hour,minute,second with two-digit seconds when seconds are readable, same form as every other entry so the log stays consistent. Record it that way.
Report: 10,58
